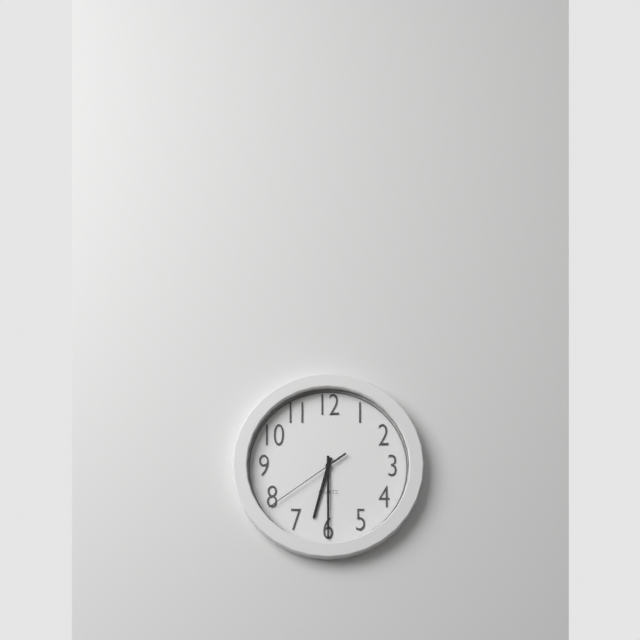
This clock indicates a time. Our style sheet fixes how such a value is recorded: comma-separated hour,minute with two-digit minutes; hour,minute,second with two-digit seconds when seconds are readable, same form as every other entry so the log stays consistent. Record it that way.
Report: 6,30,39
